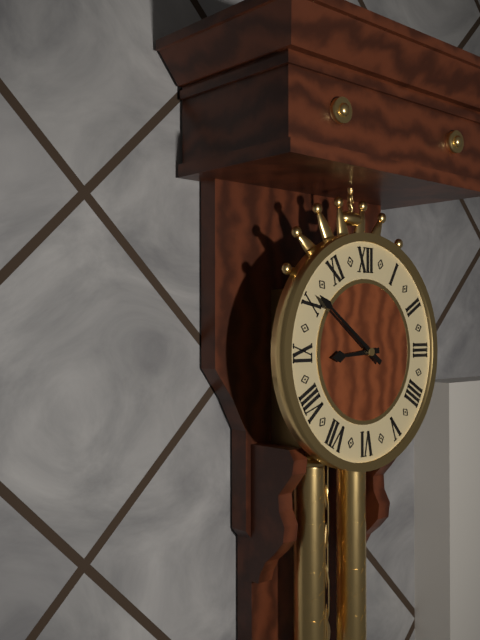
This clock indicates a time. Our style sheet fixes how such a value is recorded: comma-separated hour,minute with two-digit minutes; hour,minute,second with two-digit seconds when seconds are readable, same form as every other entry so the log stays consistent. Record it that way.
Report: 8,51
